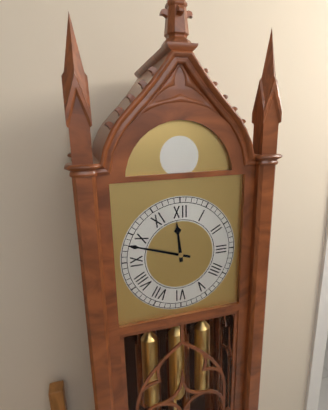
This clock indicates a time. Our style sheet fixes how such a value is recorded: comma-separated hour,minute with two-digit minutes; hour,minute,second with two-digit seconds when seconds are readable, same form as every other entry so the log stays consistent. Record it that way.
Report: 11,48
